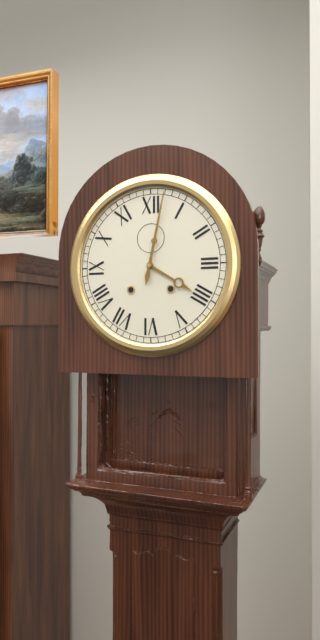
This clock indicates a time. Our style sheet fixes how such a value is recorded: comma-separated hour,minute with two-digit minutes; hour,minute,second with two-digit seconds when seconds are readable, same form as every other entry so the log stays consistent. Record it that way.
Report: 4,02
